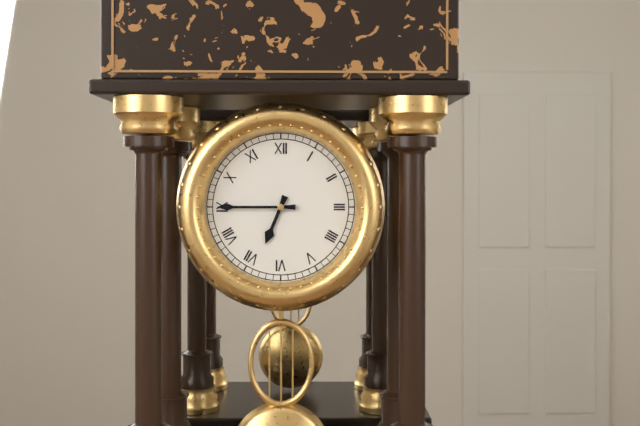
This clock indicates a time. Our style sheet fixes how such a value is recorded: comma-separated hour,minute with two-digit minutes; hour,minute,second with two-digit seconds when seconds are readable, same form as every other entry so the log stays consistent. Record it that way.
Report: 6,45
